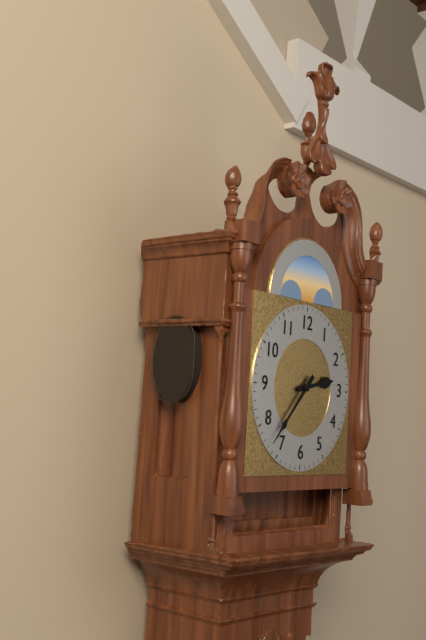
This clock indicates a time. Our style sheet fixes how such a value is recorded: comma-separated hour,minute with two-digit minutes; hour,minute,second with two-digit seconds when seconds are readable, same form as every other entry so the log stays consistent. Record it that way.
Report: 2,37
